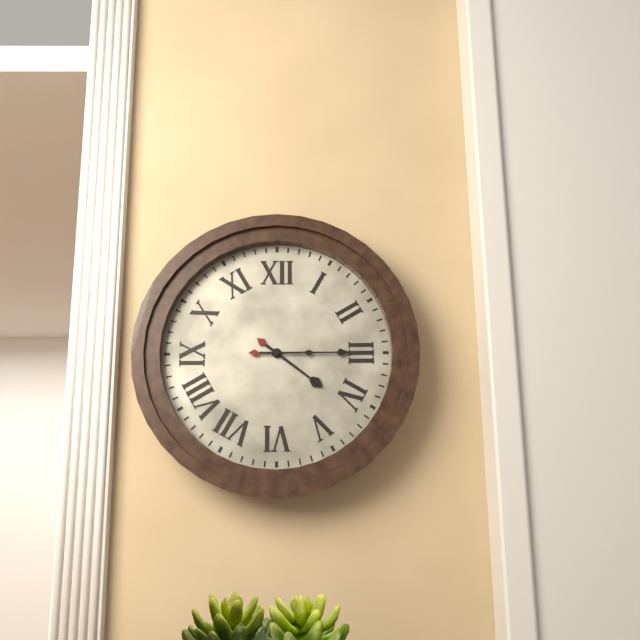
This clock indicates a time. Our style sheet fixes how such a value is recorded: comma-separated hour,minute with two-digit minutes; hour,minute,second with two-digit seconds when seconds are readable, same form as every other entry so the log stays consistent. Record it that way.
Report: 4,15
